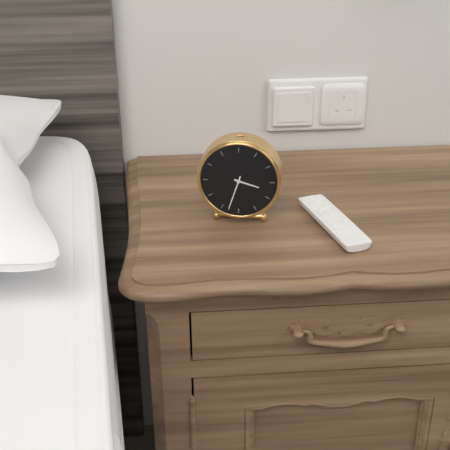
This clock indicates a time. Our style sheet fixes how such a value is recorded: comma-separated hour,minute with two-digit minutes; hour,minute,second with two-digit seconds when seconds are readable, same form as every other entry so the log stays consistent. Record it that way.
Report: 3,33
